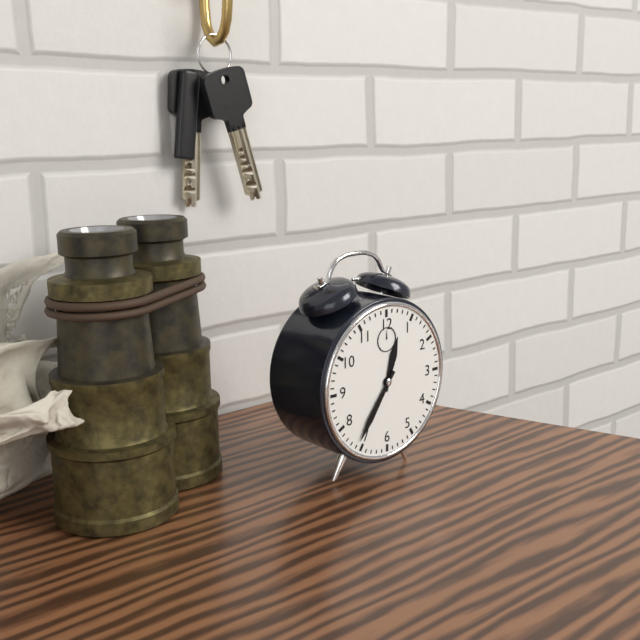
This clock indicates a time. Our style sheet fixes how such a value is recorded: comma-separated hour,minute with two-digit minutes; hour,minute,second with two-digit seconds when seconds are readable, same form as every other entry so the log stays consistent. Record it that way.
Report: 12,36
